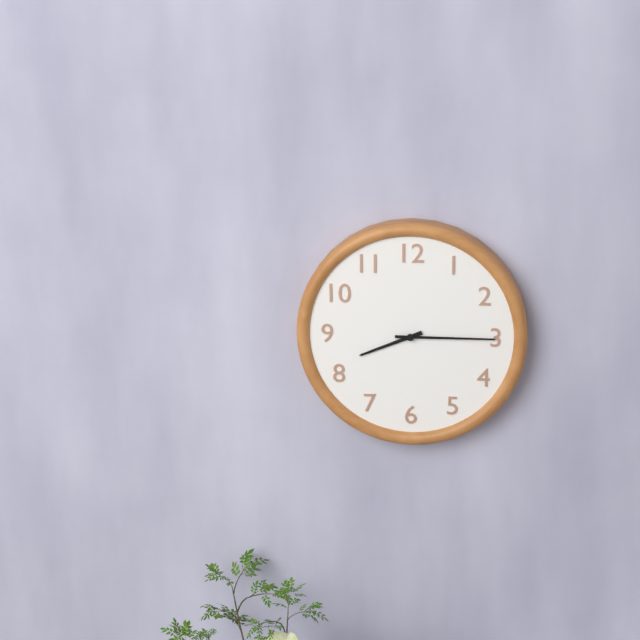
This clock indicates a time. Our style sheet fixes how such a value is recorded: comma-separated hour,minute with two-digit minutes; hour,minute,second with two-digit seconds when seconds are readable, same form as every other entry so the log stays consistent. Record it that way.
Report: 8,15
